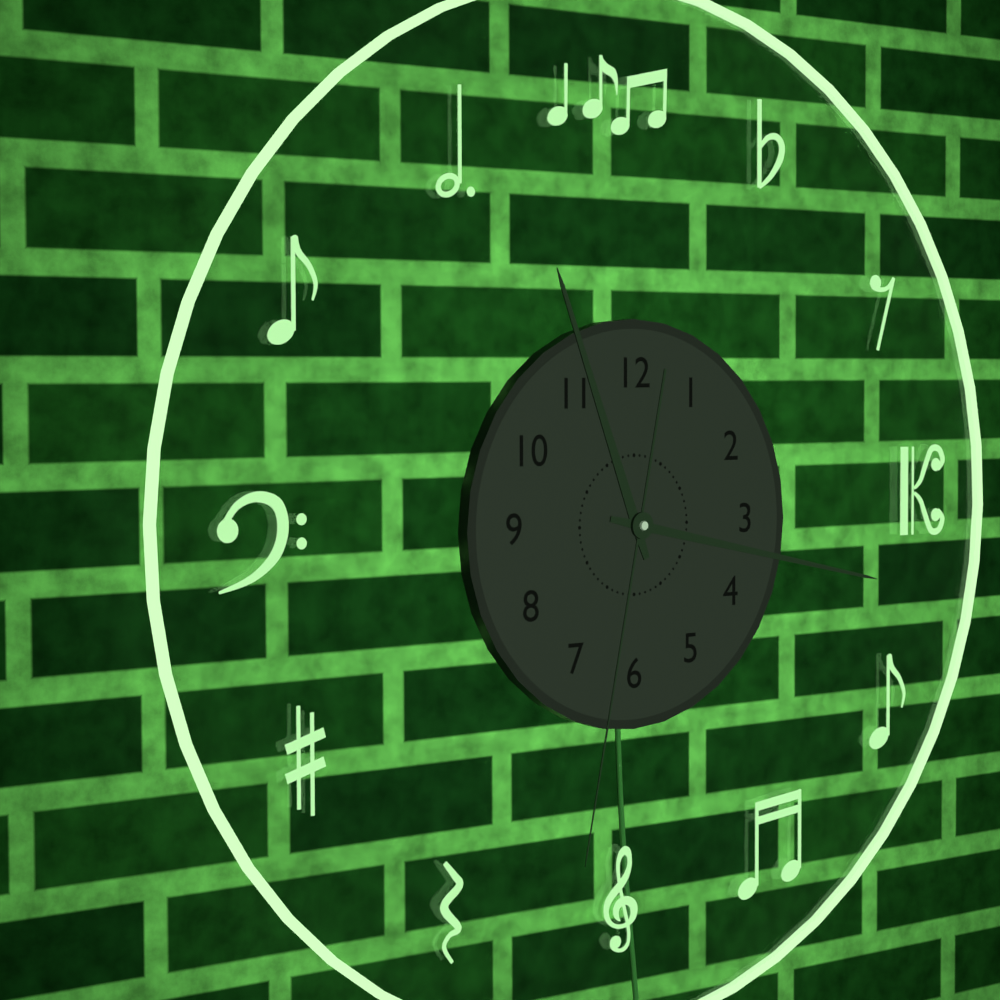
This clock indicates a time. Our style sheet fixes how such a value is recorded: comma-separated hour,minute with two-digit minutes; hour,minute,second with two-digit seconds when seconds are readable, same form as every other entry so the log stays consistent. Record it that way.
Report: 11,17,32
